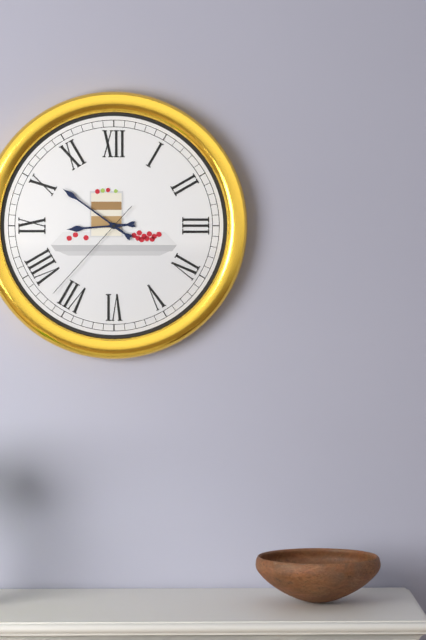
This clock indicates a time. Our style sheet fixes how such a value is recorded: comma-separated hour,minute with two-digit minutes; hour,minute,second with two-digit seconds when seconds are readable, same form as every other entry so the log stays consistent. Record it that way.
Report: 8,51,37
